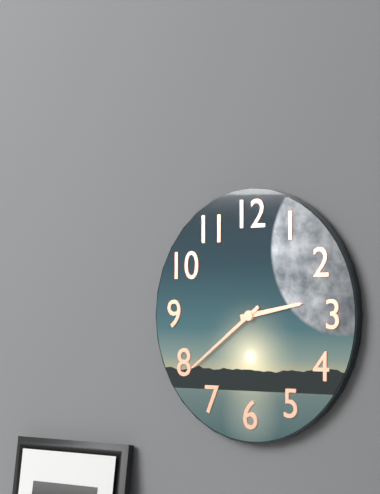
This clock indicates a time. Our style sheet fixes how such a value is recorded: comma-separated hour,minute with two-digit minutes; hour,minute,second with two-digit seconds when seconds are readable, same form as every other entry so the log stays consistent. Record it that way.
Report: 2,39
